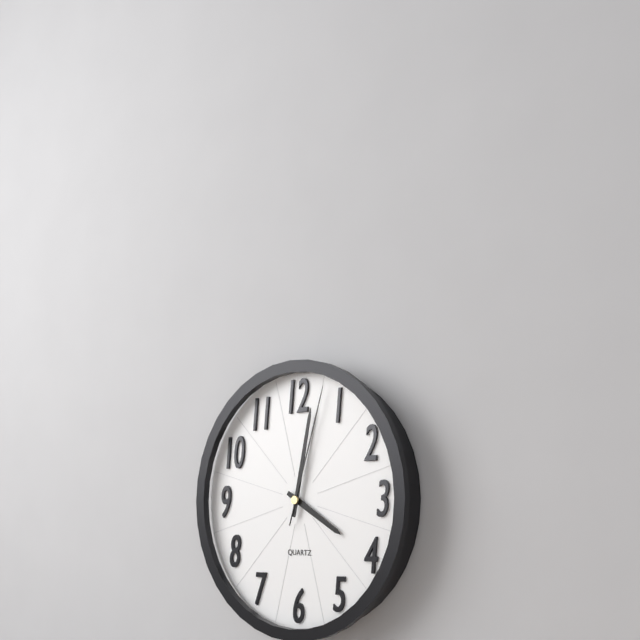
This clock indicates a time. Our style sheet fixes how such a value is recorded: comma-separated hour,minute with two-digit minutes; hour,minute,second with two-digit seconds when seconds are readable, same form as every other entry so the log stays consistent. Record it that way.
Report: 4,02,03
